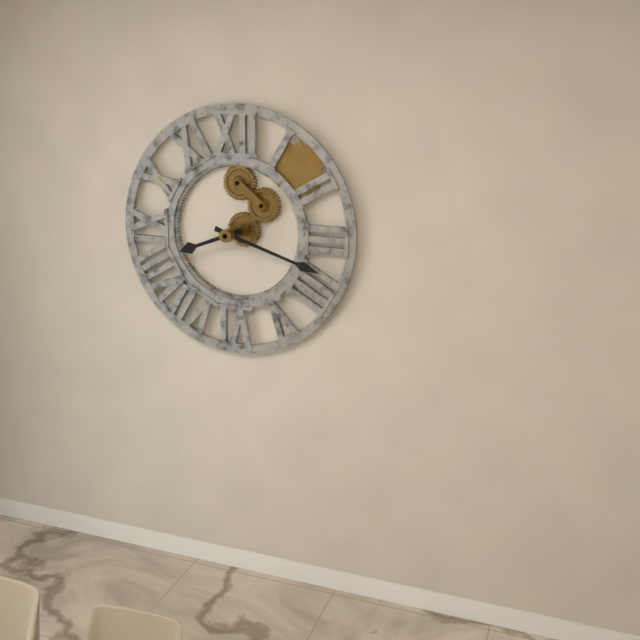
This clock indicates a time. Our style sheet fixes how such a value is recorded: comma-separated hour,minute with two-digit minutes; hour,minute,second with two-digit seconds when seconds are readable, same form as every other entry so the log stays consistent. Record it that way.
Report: 8,18
